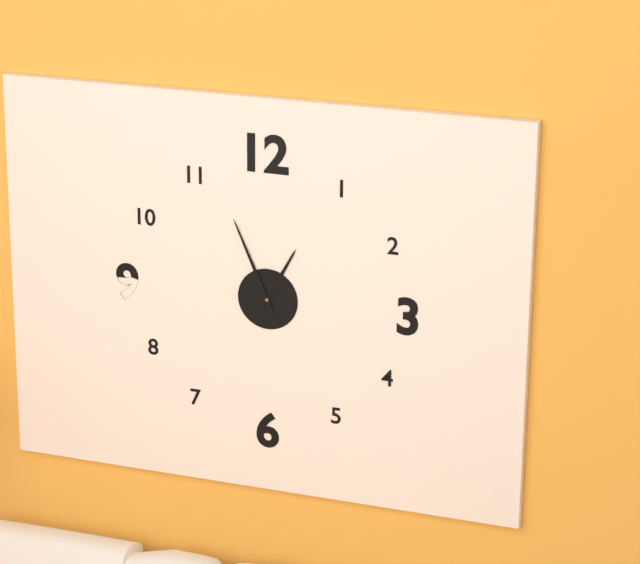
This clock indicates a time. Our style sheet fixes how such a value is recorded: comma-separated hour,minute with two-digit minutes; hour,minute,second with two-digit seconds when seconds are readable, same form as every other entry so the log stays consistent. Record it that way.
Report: 12,56
